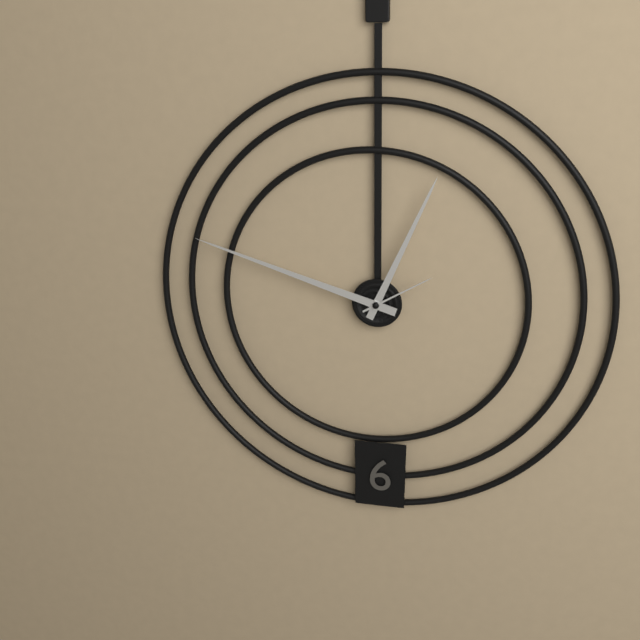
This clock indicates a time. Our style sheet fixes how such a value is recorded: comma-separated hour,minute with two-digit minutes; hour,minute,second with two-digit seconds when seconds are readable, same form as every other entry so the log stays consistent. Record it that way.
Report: 12,48,10
